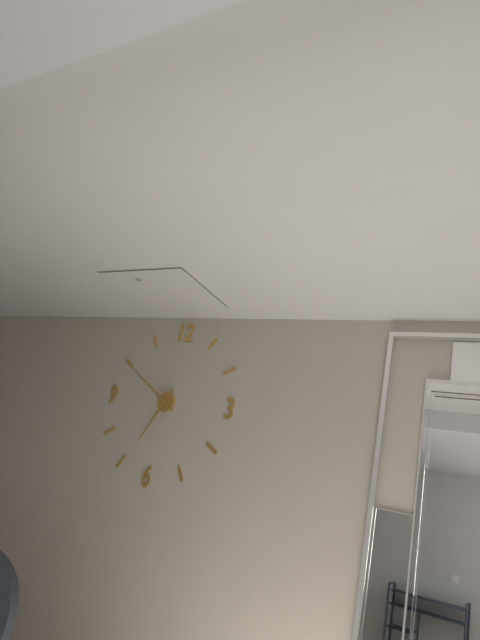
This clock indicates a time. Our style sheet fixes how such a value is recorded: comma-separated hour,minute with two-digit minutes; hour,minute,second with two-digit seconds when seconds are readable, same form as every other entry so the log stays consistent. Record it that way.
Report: 6,50
